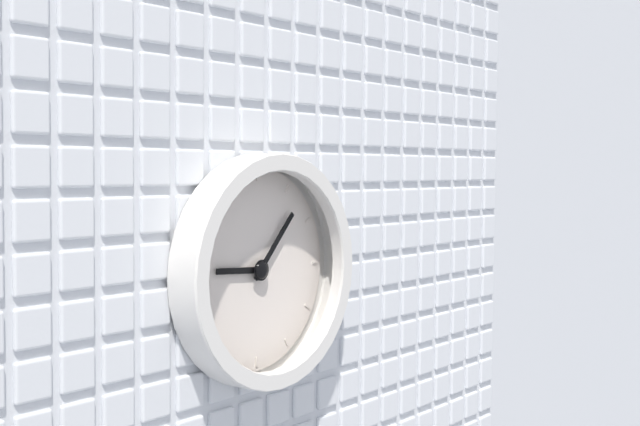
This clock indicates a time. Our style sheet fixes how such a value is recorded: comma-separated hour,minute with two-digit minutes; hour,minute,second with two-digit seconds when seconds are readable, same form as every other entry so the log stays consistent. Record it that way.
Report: 9,07
